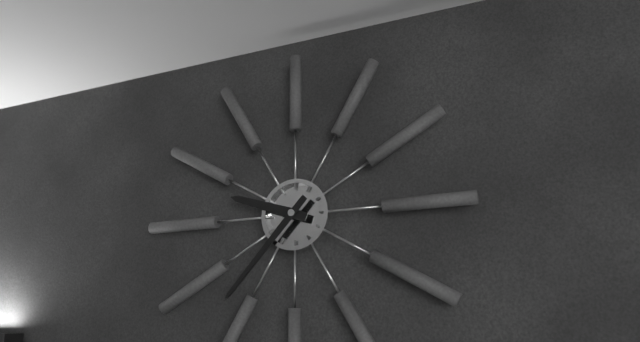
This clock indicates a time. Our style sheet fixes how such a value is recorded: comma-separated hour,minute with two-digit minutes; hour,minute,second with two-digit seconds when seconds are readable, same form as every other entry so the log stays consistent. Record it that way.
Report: 9,37
